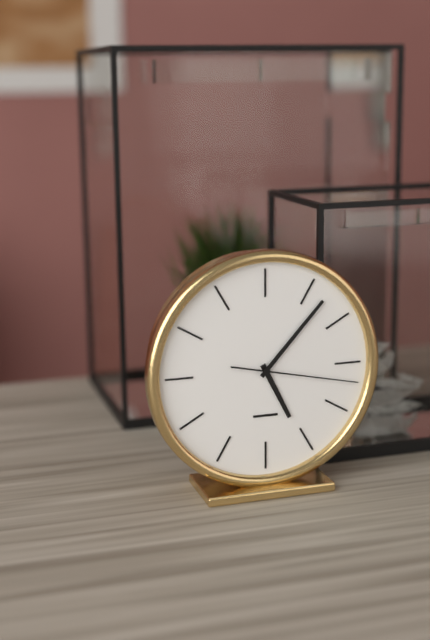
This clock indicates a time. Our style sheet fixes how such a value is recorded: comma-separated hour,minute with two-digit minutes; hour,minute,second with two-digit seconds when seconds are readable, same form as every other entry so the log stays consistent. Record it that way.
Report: 5,07,17
